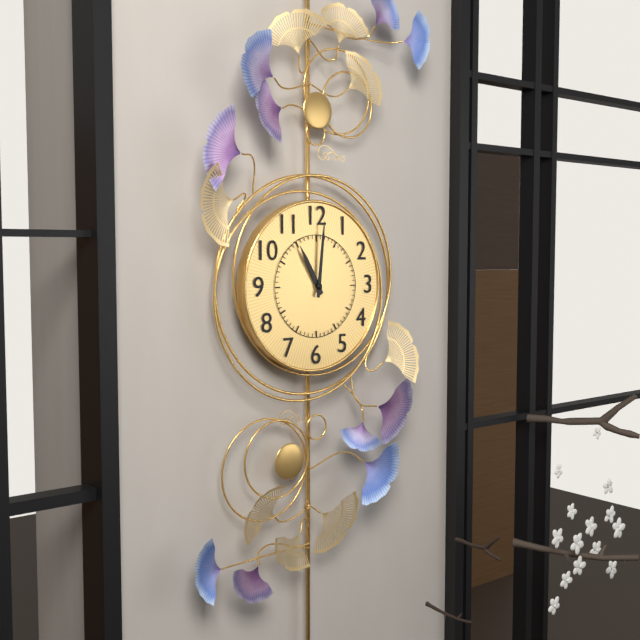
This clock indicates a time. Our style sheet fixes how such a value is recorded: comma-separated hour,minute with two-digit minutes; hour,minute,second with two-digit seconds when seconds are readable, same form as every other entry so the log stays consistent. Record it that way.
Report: 11,01
